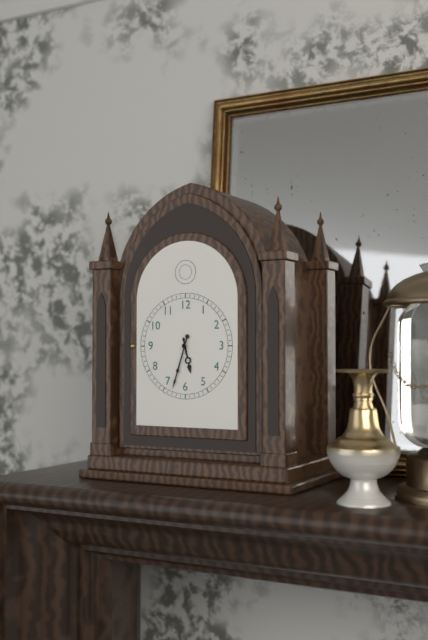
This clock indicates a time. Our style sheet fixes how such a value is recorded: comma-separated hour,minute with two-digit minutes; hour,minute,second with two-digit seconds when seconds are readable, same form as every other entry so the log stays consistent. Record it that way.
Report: 5,33
